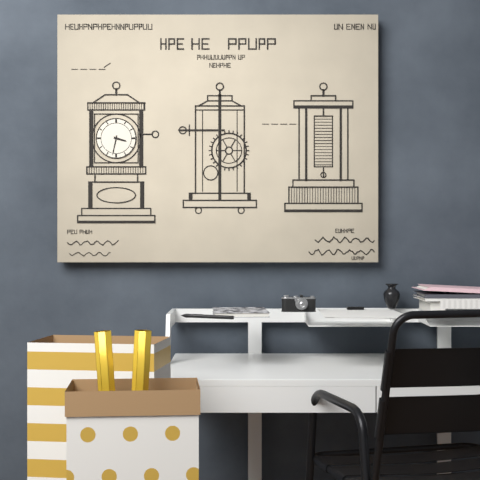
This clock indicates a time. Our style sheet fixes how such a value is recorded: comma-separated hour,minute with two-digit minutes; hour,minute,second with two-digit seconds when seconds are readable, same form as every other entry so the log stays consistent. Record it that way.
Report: 3,32
